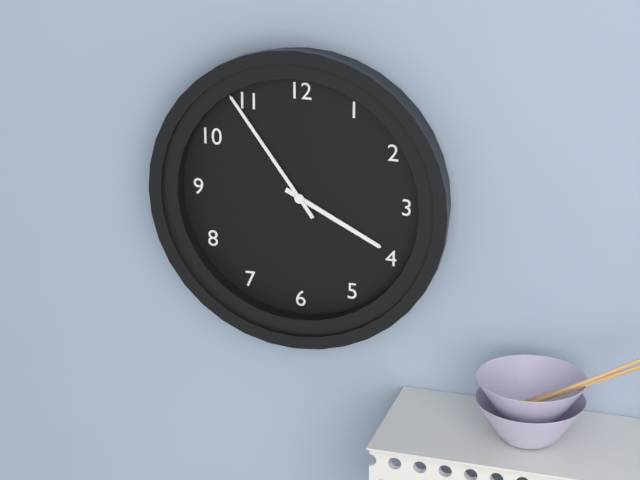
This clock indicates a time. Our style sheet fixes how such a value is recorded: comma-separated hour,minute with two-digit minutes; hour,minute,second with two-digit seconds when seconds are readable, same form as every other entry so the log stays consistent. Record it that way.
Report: 3,54
